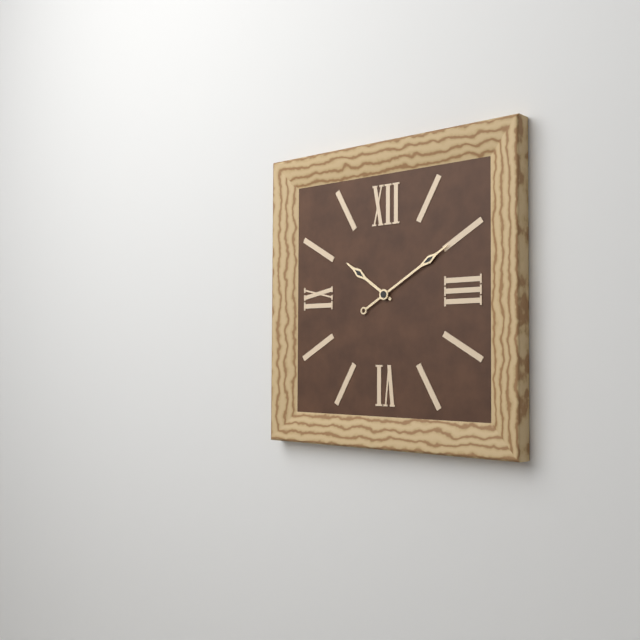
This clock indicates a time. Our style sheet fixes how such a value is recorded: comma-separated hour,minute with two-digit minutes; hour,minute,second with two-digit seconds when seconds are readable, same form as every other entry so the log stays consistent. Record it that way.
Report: 10,10
